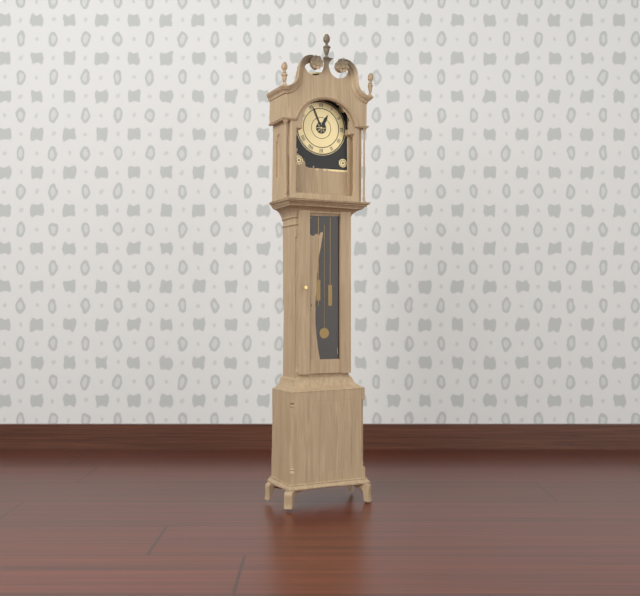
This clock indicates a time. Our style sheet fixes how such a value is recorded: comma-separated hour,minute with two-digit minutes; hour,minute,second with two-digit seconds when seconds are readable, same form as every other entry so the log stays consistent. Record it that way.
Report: 12,56
